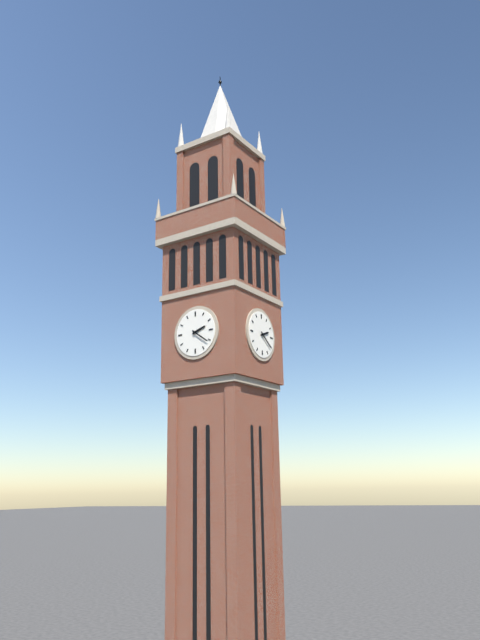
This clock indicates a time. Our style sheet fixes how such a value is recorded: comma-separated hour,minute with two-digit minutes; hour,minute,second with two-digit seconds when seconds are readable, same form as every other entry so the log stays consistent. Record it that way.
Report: 2,21
